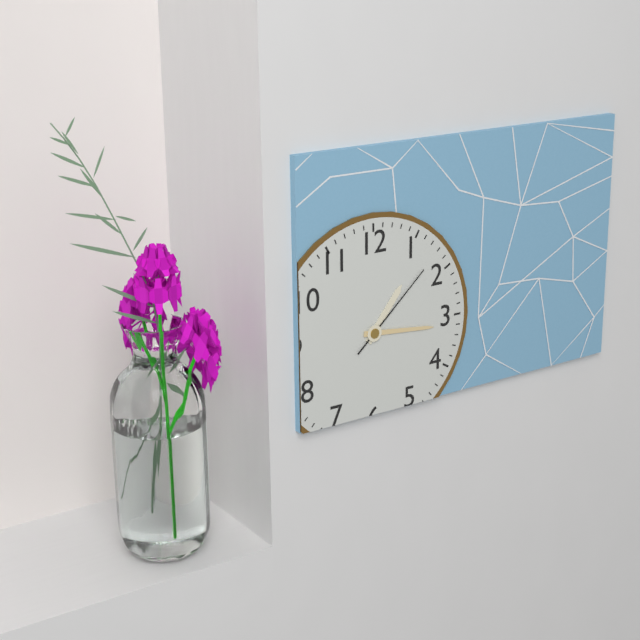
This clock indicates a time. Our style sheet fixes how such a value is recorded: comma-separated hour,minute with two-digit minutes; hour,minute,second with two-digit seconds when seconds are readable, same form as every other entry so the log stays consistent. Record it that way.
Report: 1,16,08
